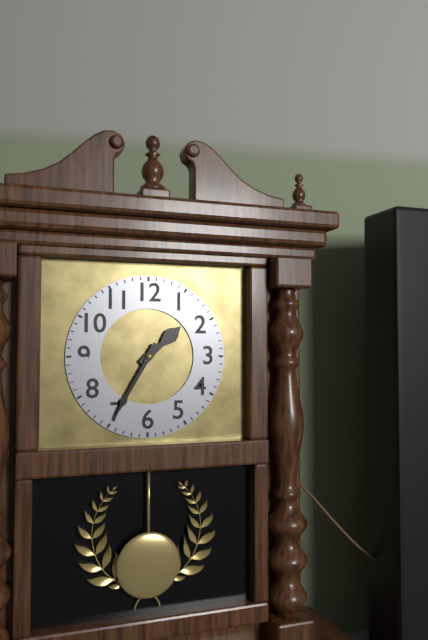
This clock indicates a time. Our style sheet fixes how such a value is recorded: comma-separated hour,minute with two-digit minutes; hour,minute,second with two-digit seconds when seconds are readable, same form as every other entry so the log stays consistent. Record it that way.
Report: 1,35
